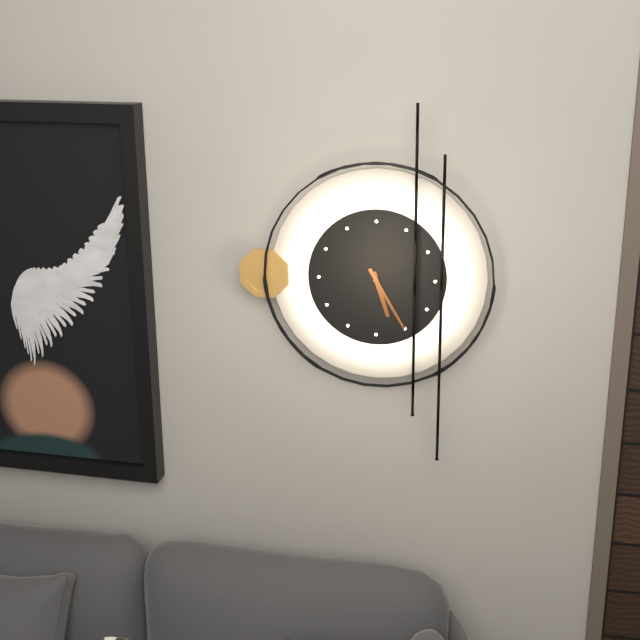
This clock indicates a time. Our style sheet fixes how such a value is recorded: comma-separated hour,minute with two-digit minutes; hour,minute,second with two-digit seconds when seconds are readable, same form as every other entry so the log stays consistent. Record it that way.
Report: 5,25
